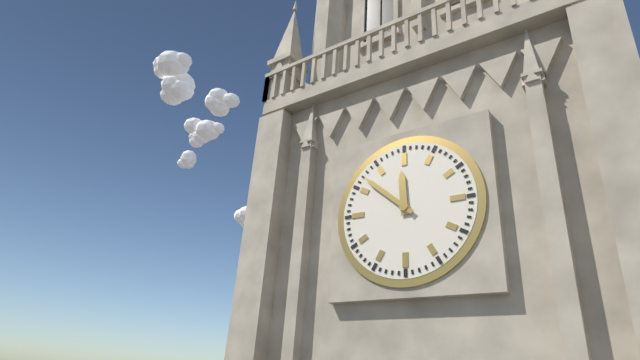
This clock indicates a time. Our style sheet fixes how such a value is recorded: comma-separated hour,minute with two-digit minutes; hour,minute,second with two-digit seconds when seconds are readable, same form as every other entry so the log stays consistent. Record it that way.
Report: 11,52
